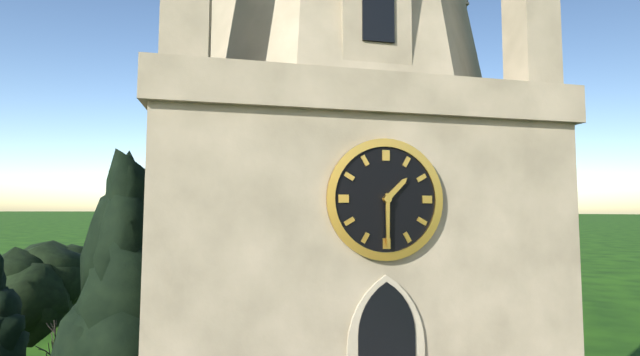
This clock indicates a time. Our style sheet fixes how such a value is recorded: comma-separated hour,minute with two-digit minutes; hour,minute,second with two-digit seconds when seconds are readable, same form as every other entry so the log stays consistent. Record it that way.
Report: 1,30
